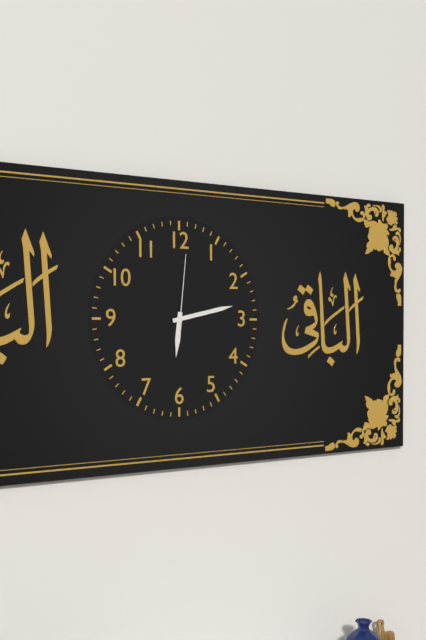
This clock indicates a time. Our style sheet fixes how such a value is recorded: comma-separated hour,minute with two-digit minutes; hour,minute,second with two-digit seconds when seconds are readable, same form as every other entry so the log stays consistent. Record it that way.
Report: 6,13,01
